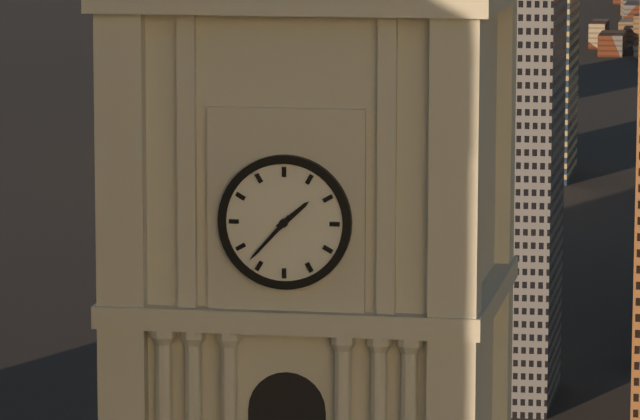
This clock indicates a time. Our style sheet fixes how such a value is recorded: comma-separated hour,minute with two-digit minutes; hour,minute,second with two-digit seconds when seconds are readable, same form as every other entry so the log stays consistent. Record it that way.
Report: 1,37
